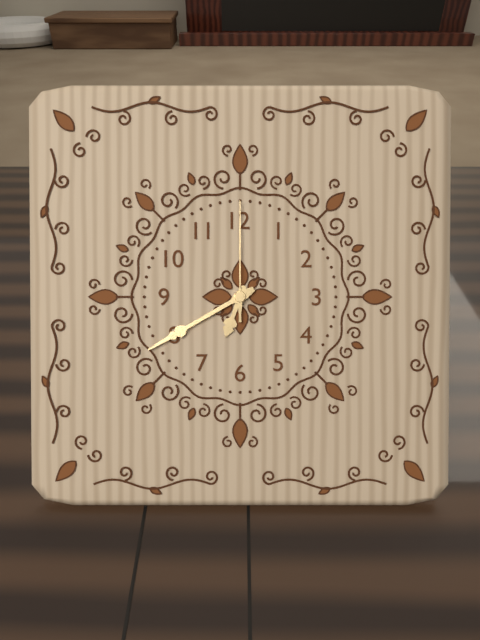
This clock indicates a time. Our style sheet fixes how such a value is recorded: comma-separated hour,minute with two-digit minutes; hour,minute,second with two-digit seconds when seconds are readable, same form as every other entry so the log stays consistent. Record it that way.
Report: 6,40,00
